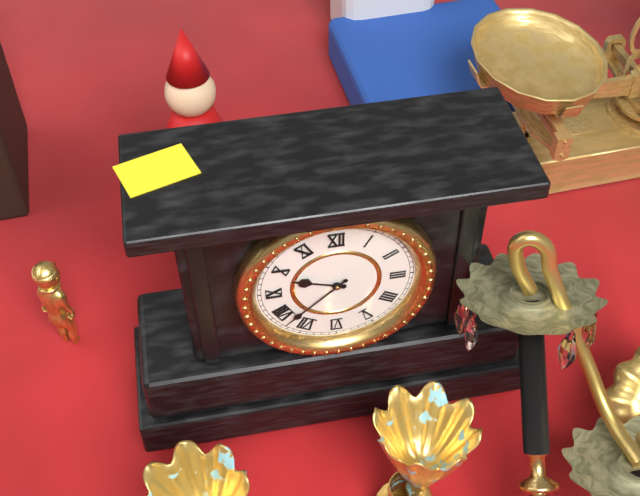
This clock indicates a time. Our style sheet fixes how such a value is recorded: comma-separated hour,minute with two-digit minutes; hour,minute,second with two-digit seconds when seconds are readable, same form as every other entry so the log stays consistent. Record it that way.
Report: 9,38
